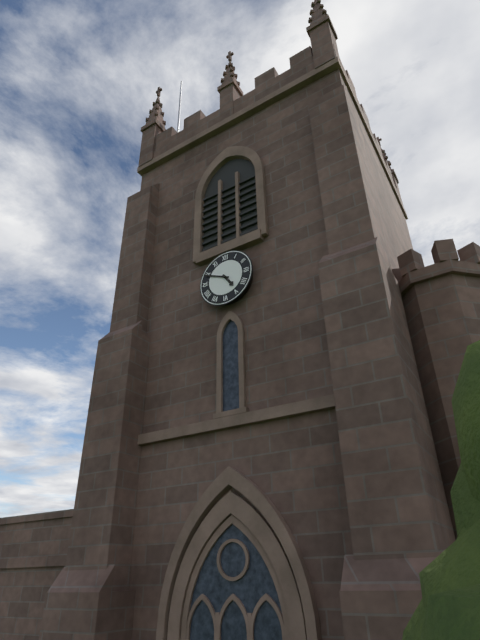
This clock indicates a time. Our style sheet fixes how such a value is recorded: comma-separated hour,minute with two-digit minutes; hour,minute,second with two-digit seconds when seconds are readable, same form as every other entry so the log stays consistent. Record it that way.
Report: 4,49
